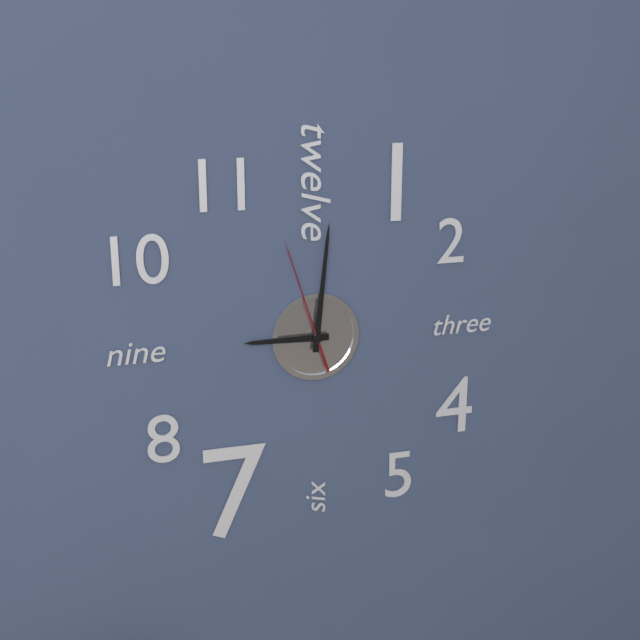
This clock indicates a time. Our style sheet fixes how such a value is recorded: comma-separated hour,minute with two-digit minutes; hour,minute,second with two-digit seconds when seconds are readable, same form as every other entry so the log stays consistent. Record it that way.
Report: 9,01,57
